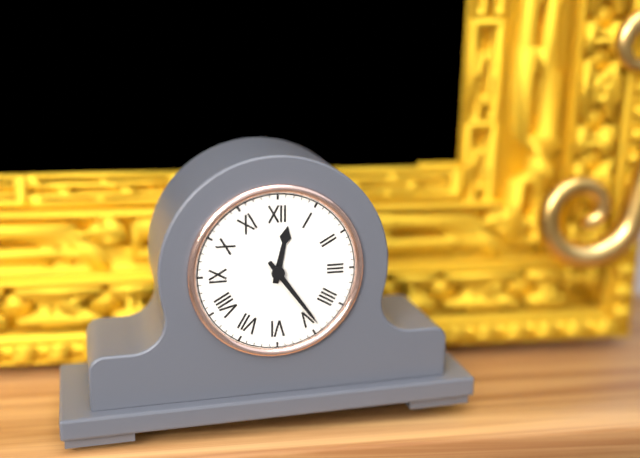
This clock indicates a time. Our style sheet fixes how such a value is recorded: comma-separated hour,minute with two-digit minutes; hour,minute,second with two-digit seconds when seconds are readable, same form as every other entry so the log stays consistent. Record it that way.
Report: 12,24
